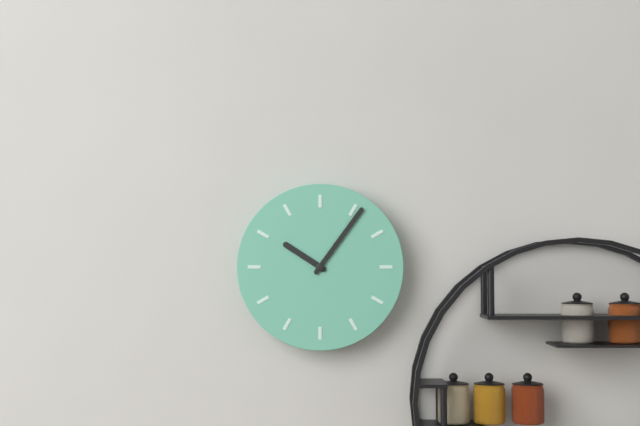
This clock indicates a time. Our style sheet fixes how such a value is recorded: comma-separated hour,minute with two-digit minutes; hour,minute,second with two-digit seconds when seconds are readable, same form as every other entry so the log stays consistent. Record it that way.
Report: 10,06
